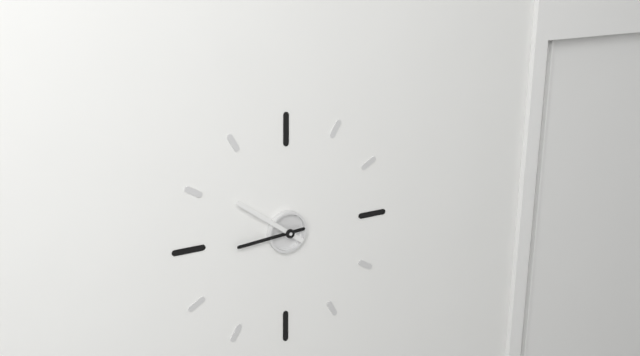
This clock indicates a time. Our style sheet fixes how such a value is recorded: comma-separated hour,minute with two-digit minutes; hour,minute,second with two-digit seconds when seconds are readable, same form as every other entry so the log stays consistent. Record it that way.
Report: 8,51
